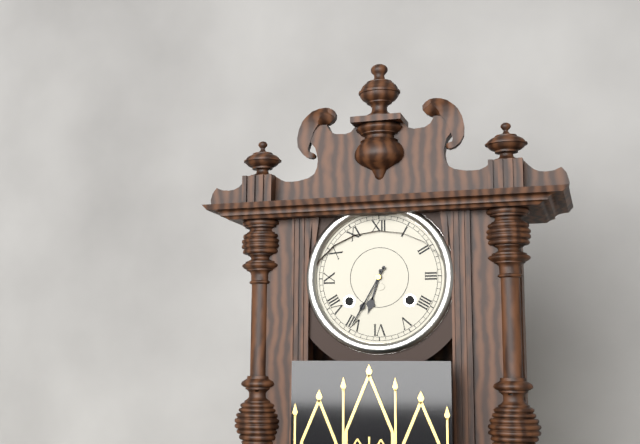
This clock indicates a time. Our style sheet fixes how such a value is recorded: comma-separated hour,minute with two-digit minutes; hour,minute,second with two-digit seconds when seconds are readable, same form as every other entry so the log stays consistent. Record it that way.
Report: 6,35
